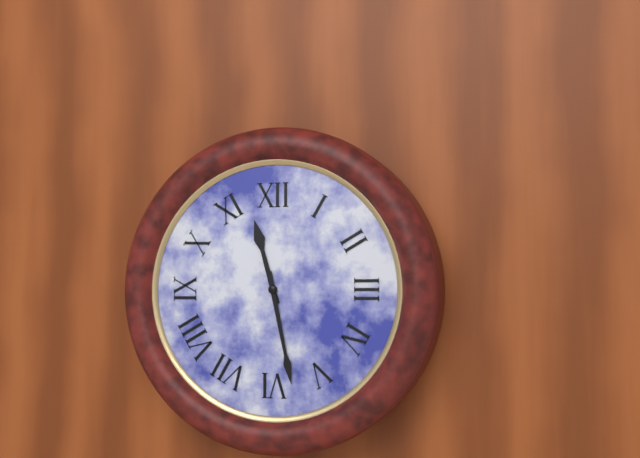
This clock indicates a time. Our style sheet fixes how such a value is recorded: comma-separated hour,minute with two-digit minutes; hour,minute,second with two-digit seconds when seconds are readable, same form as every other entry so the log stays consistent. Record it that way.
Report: 11,28
